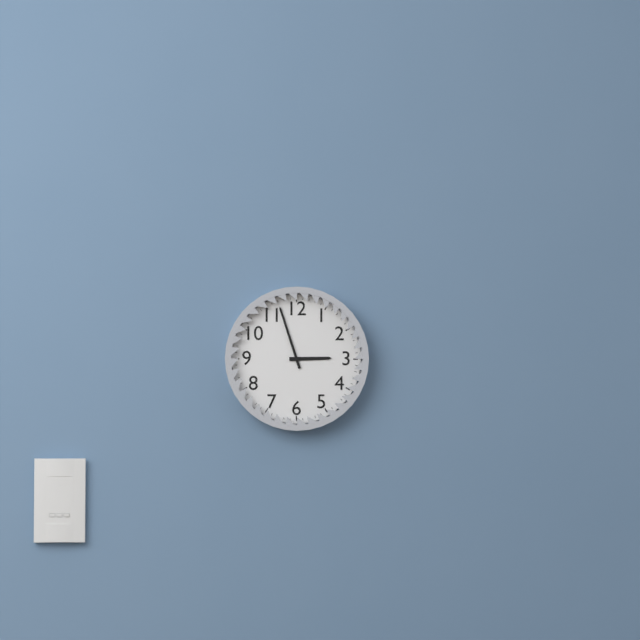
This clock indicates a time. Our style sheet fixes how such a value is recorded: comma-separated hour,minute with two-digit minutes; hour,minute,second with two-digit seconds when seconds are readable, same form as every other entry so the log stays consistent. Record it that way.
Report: 2,57
